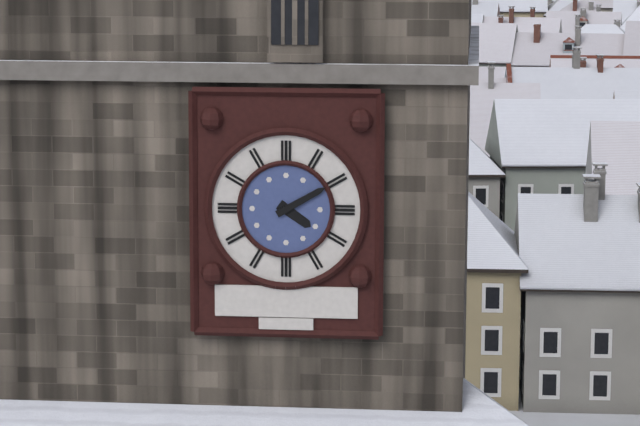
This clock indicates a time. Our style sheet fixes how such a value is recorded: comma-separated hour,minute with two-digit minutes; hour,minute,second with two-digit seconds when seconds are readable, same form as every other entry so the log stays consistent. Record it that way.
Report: 4,10
